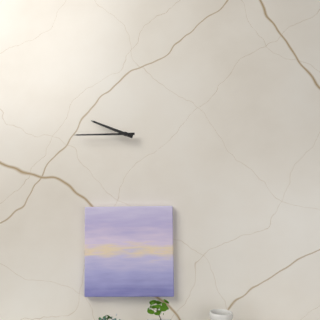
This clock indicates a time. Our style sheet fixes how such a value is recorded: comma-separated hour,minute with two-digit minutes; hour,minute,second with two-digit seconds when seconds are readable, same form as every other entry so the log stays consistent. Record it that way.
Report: 9,45
